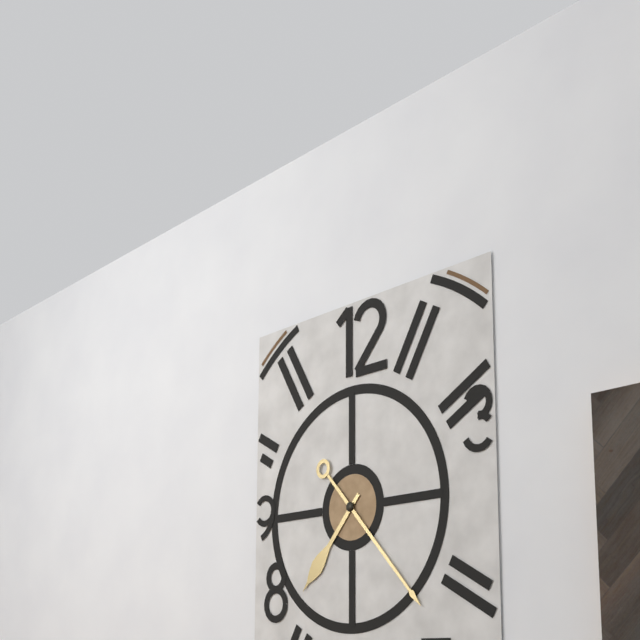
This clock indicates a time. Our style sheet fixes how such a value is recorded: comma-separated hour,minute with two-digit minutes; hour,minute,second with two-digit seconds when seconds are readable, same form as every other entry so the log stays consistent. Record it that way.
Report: 7,23
